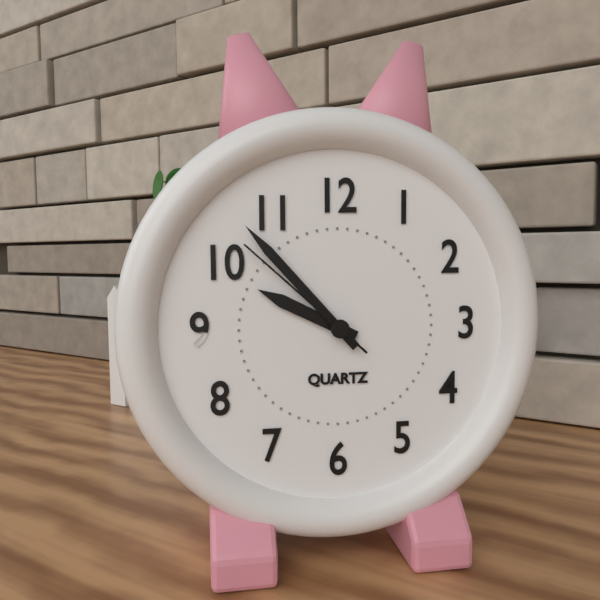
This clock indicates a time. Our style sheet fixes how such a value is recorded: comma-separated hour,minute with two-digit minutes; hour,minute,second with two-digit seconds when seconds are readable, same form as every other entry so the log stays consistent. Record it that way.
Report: 9,53,52
